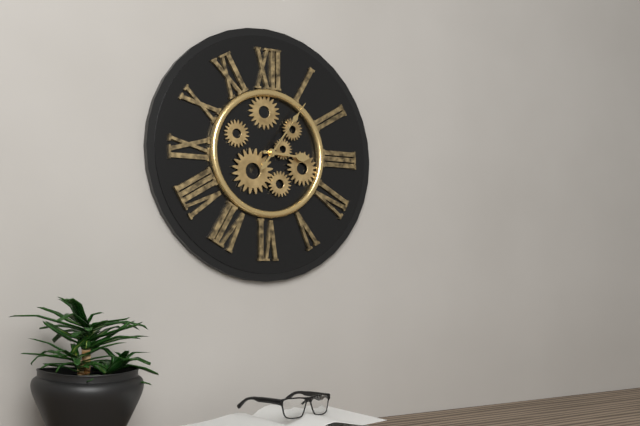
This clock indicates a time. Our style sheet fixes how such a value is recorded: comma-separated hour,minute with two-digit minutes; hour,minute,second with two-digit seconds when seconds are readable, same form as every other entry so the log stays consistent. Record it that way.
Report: 3,06
